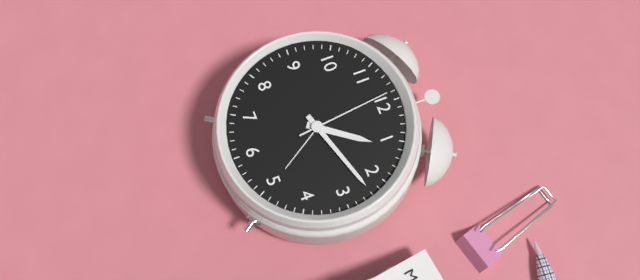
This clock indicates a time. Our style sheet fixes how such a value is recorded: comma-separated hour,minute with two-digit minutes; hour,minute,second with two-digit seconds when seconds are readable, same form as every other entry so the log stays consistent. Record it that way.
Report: 1,12,59
